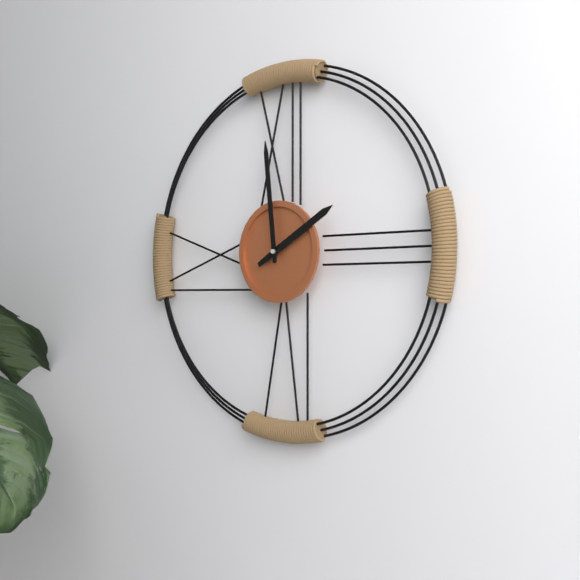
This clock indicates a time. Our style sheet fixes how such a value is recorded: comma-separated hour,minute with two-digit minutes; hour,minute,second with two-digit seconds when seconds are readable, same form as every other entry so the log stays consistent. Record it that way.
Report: 1,59
